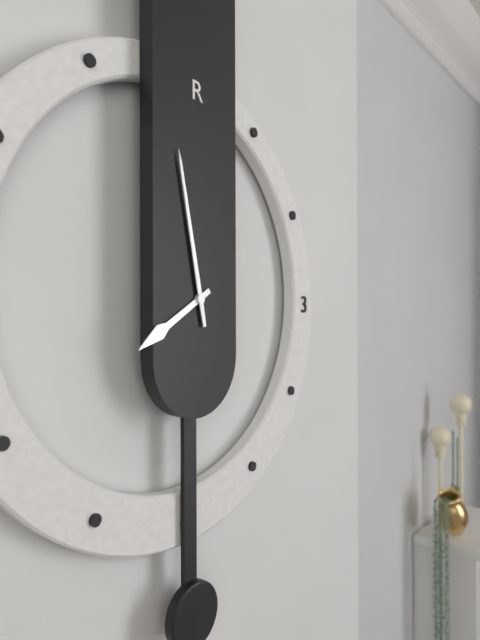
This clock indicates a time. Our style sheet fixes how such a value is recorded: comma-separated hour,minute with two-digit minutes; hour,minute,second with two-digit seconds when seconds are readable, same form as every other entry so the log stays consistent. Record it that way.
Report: 7,58
